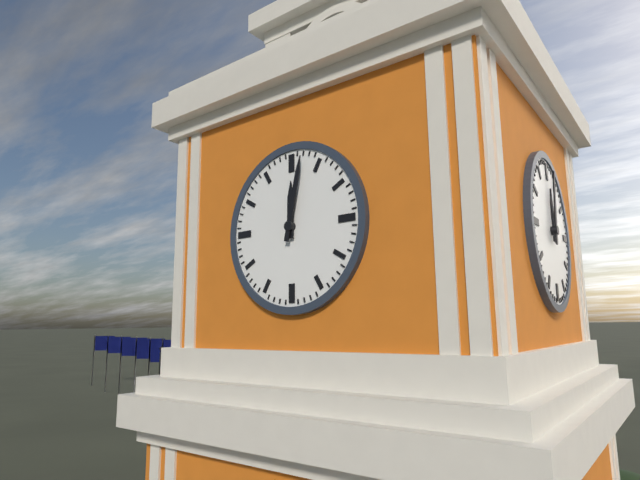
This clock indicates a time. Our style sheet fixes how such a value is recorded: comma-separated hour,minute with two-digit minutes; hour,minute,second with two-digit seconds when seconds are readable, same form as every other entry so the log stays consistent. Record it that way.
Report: 12,02
